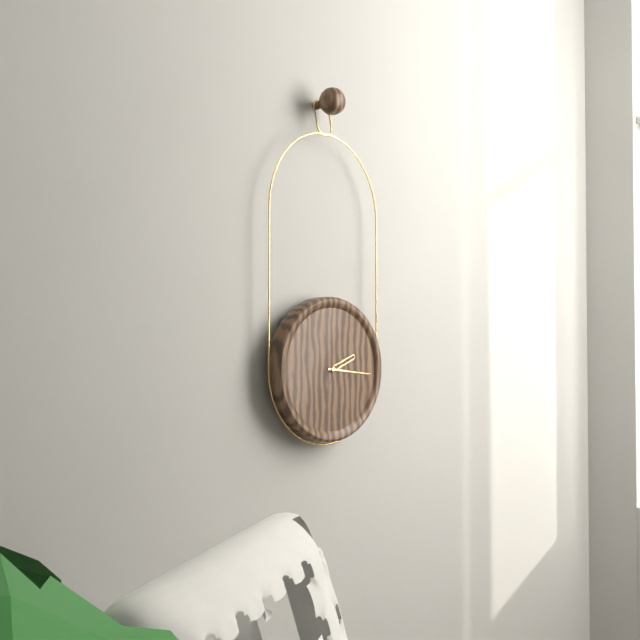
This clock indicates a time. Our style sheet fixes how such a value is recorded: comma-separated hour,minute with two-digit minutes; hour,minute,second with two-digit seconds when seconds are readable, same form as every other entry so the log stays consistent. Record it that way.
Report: 2,16
